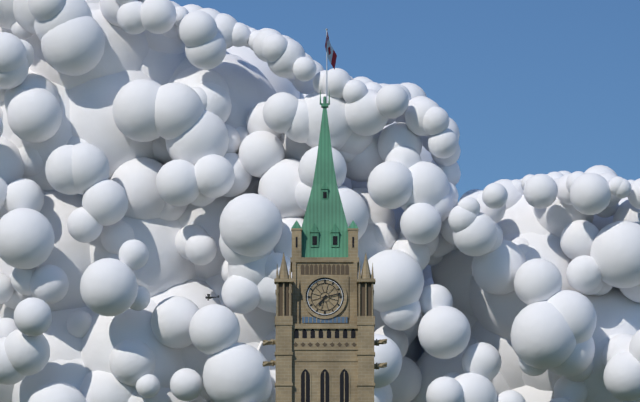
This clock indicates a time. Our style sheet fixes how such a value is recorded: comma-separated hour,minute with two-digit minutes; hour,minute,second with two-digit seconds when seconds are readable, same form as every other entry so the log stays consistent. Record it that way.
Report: 7,13
